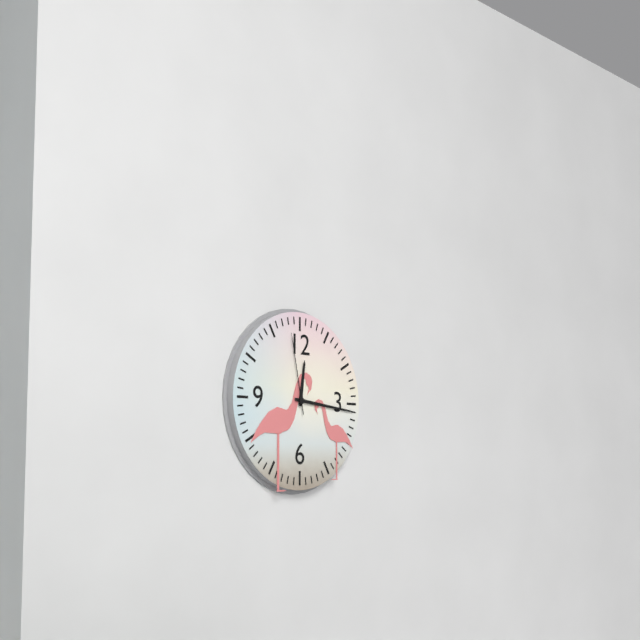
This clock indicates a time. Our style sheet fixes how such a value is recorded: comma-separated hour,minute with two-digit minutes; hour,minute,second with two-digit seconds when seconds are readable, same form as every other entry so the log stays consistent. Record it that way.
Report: 12,16,58
